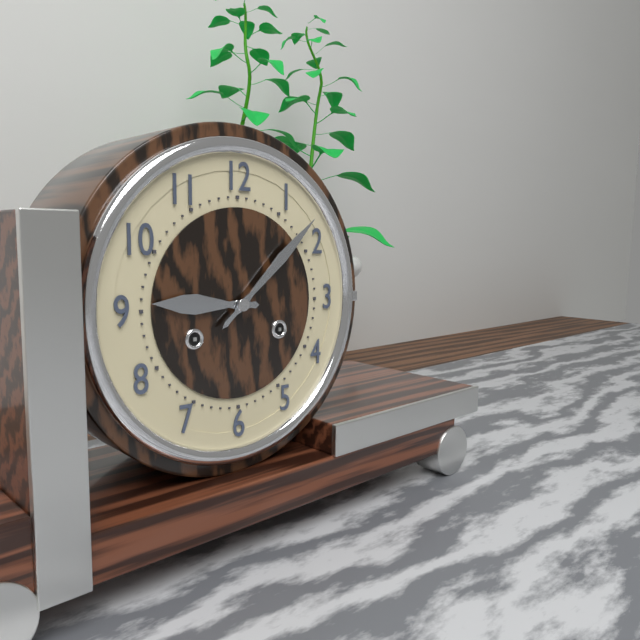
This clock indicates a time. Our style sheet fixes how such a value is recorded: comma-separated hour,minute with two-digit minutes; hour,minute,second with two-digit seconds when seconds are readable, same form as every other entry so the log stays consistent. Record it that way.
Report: 9,08
